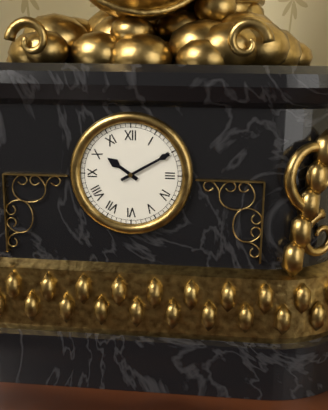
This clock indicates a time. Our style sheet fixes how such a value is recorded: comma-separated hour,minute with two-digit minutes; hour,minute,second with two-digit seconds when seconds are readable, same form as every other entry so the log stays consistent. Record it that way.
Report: 10,10
